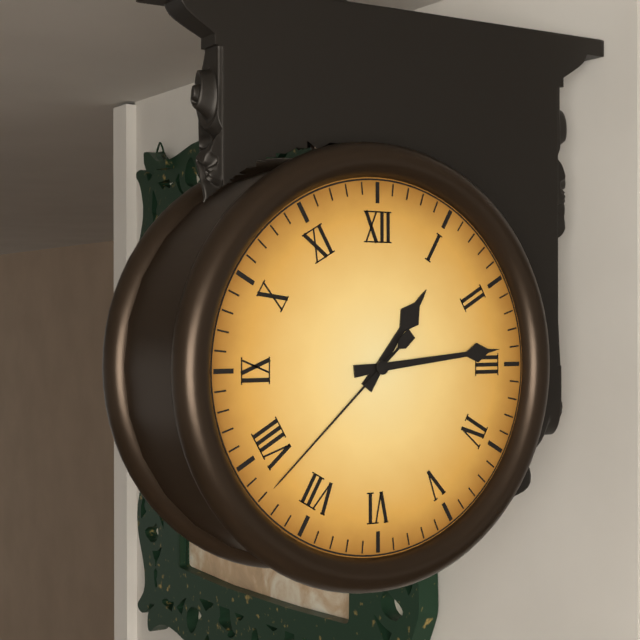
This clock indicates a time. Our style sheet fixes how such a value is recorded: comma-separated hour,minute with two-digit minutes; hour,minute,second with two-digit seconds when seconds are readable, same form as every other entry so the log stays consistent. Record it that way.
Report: 1,14,38
